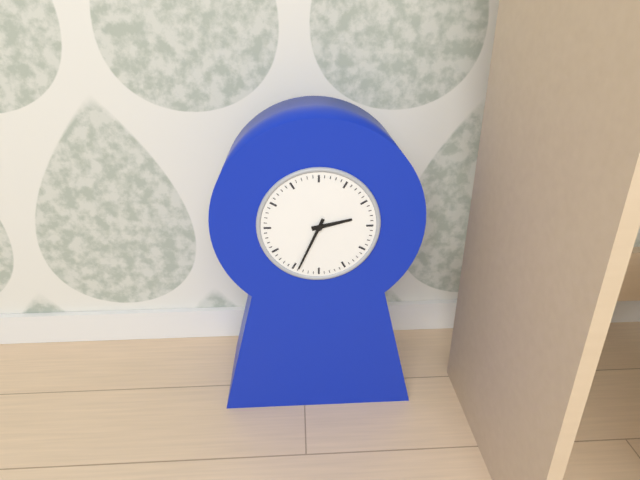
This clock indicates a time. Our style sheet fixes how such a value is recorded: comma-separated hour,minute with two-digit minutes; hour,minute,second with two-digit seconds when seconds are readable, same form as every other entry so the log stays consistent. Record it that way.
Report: 2,34
